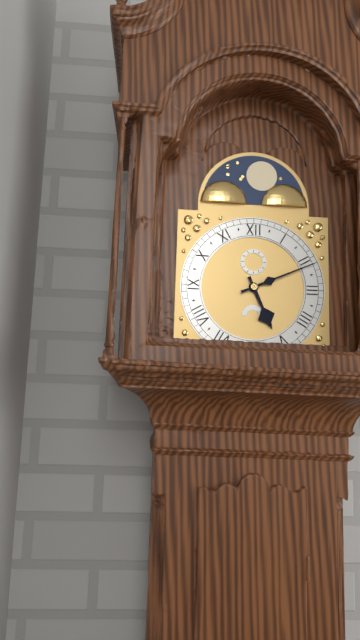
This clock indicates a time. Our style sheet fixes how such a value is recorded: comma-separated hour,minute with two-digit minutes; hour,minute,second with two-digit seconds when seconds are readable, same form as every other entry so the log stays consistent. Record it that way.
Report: 5,11
